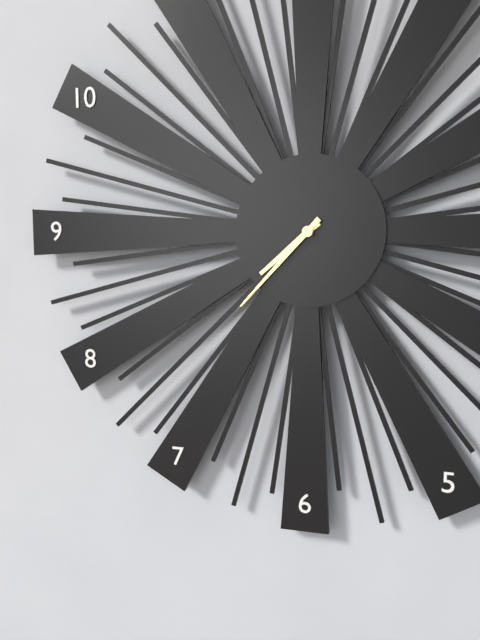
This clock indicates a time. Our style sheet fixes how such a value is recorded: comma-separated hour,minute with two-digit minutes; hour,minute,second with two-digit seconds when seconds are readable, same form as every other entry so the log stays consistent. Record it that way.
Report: 7,37
